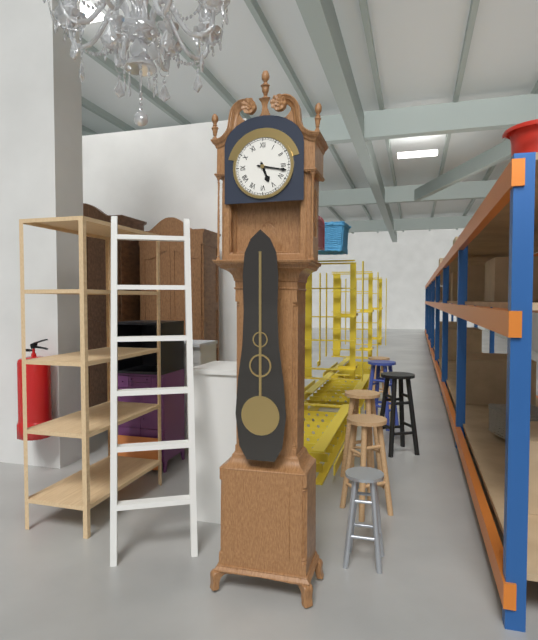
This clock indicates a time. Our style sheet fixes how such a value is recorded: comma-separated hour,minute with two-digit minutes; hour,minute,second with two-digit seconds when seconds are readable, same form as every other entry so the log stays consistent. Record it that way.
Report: 5,17
